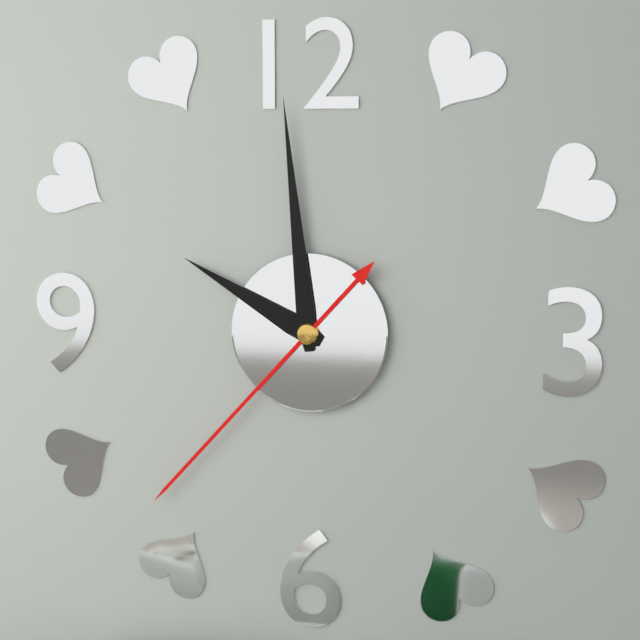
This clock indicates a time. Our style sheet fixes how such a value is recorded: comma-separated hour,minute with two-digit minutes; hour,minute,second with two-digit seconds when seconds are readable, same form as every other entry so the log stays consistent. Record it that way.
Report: 9,59,37
